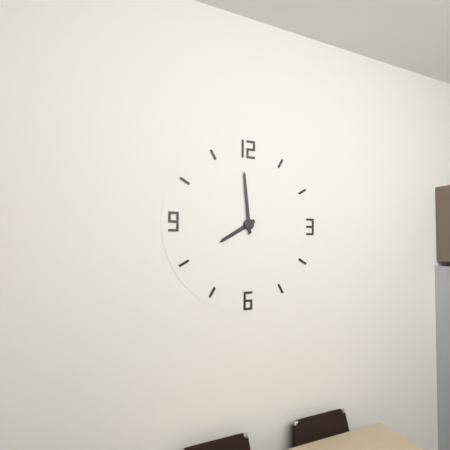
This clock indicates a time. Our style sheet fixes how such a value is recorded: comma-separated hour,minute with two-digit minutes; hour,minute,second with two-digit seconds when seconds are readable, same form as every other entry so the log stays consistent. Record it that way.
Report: 7,59
